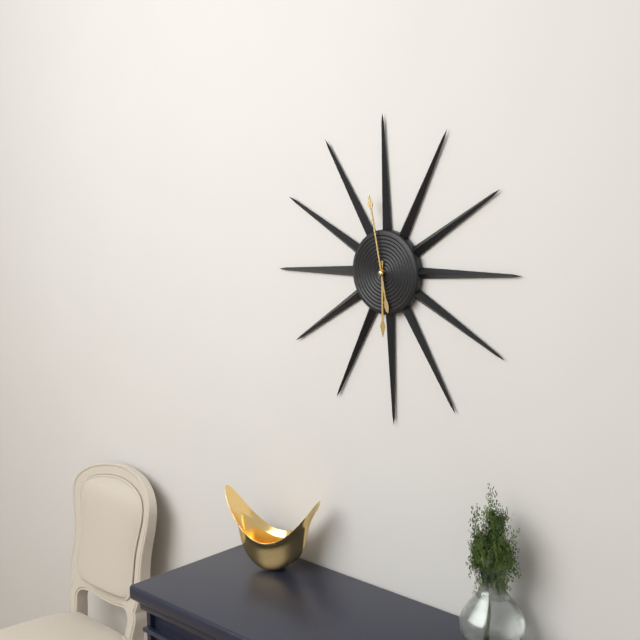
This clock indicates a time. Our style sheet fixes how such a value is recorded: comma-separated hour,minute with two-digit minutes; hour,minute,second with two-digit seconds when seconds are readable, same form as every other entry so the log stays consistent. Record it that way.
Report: 5,58
